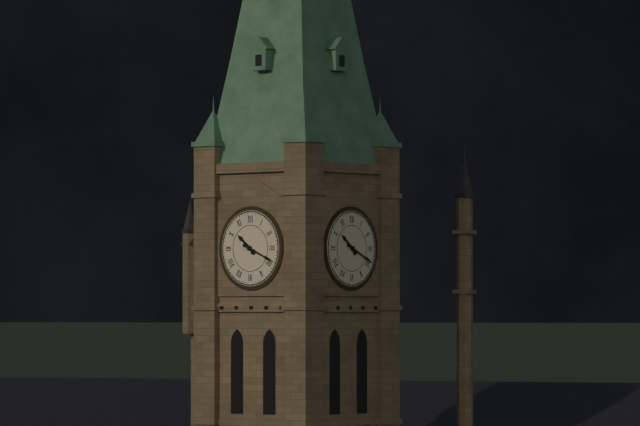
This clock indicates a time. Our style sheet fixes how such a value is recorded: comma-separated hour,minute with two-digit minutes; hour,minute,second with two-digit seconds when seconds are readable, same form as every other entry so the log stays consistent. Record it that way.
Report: 10,19
